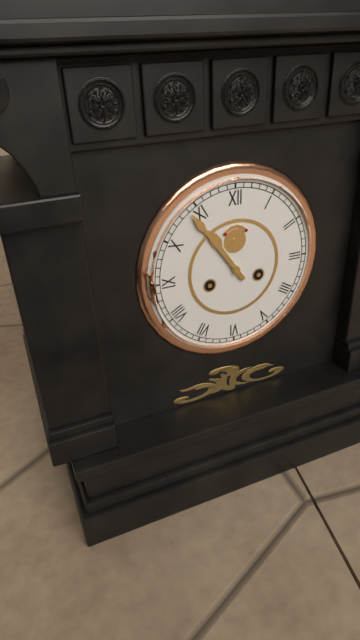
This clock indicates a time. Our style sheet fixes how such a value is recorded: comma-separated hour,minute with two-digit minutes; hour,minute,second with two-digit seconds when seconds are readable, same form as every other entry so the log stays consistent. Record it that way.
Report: 10,54
